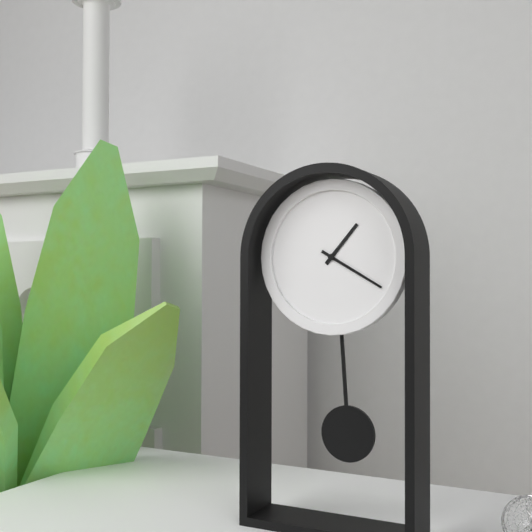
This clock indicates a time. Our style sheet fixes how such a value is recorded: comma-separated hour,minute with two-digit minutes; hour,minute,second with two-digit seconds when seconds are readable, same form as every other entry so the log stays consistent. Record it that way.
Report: 1,20
